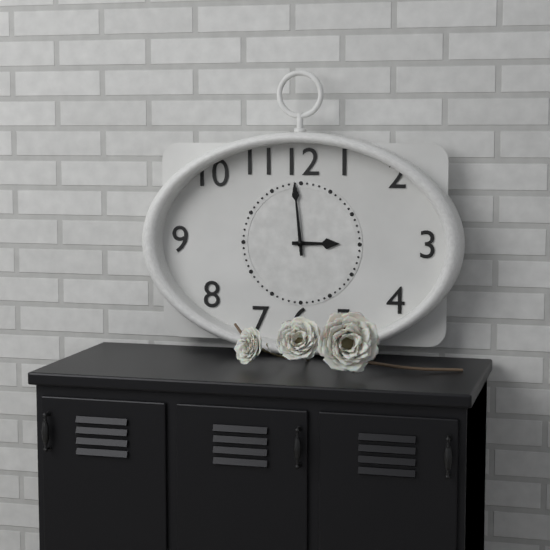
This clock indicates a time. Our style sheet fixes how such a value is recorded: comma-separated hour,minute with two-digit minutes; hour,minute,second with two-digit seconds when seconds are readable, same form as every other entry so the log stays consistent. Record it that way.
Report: 2,59
